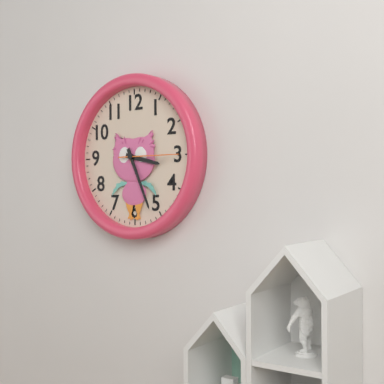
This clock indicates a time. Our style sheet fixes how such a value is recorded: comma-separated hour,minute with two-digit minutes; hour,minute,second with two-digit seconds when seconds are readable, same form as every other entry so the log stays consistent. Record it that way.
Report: 3,26
